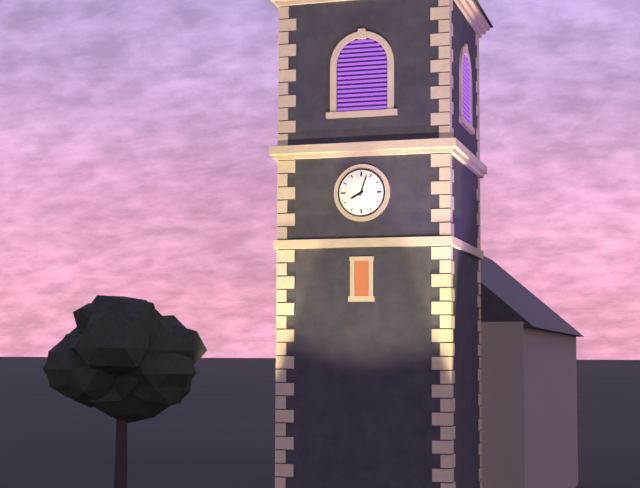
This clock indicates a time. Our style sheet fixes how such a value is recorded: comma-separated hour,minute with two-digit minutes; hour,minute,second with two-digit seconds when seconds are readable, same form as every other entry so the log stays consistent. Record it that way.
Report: 8,03
